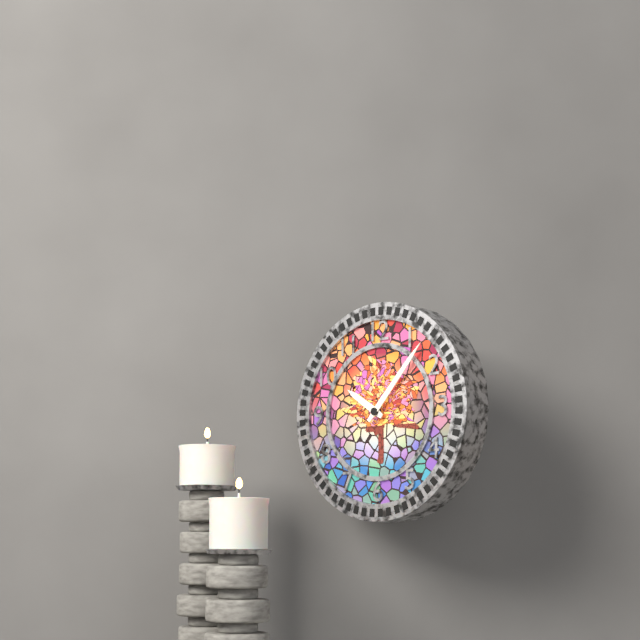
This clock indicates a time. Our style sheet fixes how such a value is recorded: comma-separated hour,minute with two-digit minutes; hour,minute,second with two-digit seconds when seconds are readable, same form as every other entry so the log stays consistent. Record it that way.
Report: 10,07
